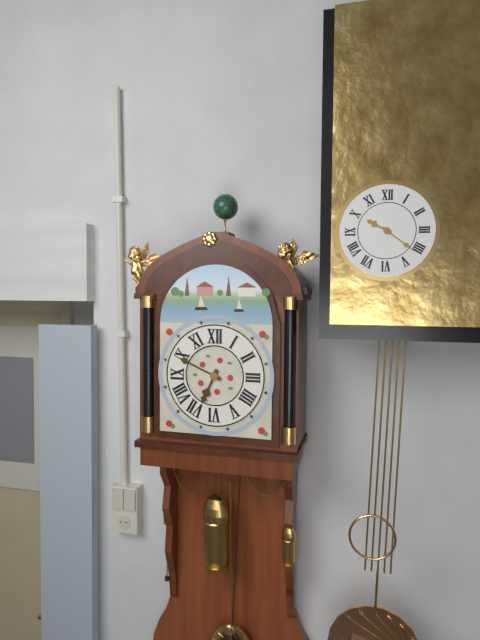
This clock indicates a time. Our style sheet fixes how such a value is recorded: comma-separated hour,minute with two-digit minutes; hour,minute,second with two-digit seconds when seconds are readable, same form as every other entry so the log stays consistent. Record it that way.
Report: 6,49
